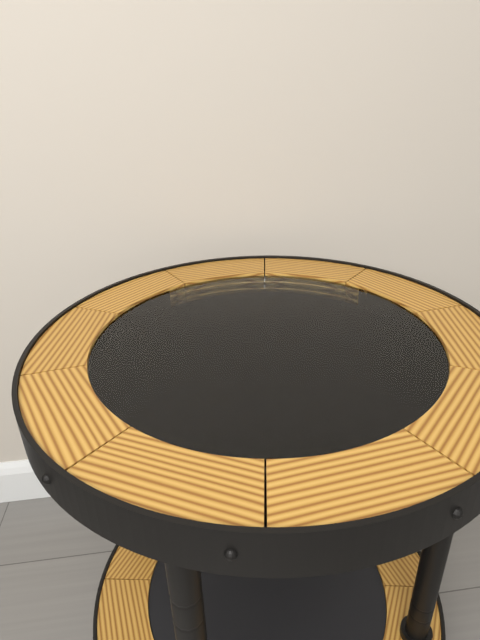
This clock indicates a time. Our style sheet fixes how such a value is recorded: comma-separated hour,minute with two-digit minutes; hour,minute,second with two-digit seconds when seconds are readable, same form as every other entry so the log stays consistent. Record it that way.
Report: 8,21
